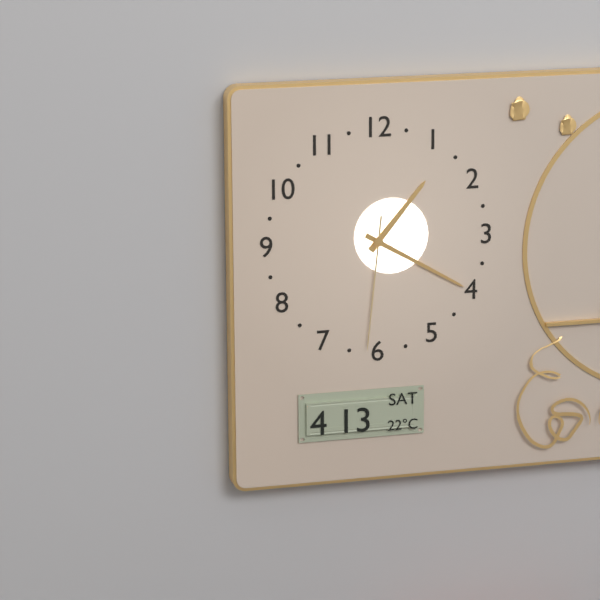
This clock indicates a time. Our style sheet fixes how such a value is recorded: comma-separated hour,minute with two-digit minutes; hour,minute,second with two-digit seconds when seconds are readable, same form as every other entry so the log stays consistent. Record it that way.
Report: 1,20,31
